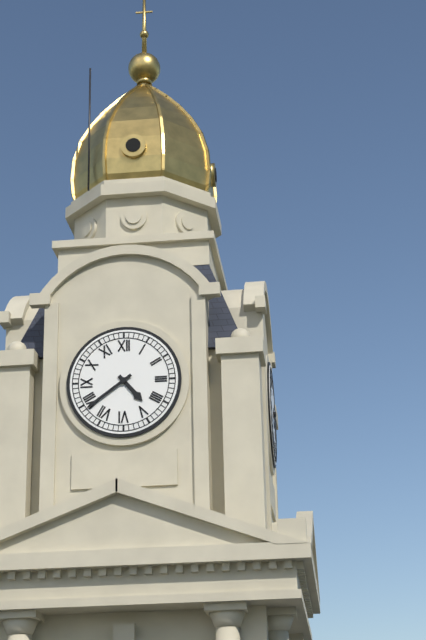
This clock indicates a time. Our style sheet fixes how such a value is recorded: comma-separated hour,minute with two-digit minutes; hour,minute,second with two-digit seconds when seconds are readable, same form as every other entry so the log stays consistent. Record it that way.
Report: 4,39
